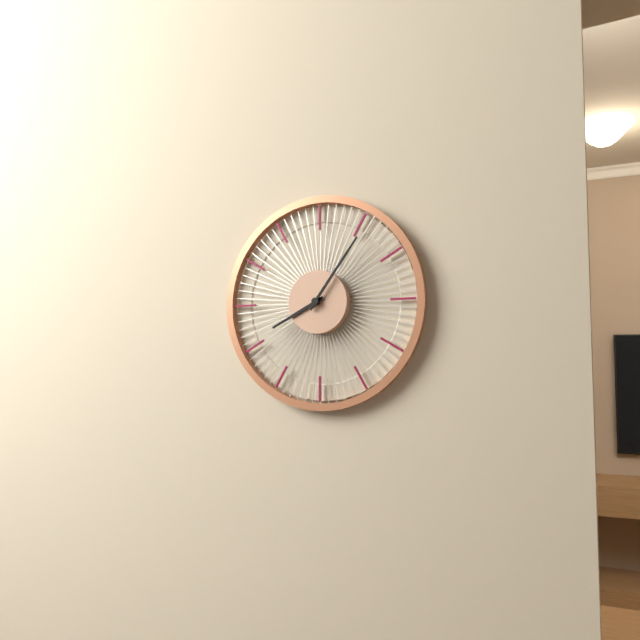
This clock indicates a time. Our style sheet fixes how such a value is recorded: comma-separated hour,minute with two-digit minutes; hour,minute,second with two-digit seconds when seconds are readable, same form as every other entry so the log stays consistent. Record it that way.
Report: 8,06
